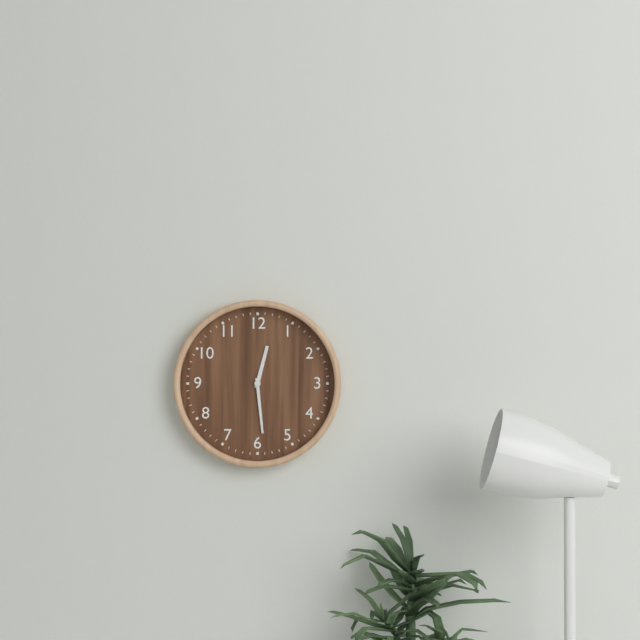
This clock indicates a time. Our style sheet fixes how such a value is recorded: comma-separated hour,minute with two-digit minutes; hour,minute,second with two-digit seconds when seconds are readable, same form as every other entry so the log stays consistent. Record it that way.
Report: 12,29
